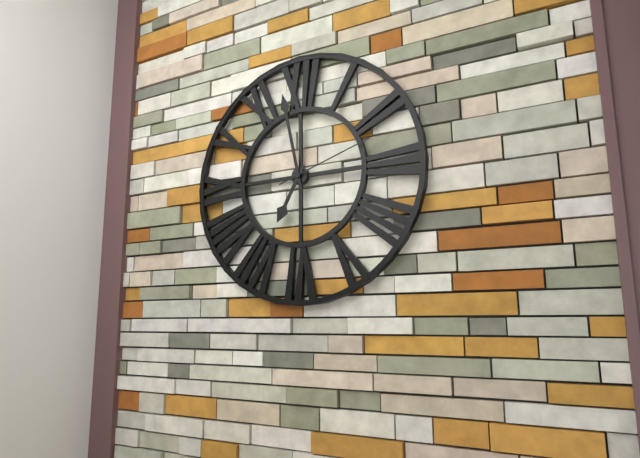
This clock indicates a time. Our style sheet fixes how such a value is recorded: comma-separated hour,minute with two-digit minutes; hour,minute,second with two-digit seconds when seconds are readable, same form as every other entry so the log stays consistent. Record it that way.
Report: 6,58,12
